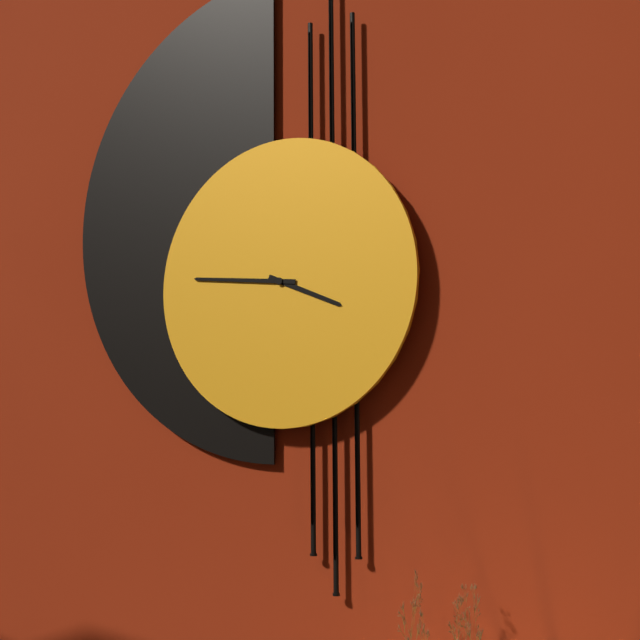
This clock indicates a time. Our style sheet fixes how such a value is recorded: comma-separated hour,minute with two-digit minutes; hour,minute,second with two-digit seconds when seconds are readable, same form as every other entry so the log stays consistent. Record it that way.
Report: 3,46
